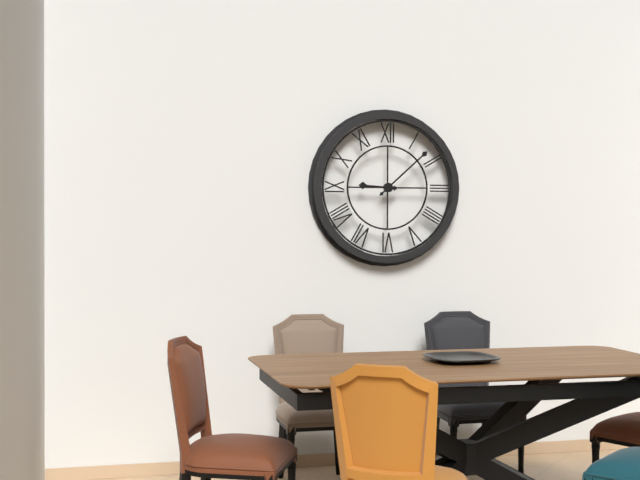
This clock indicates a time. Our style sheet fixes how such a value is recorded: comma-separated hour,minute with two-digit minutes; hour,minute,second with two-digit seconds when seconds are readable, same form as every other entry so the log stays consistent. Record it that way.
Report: 9,08
